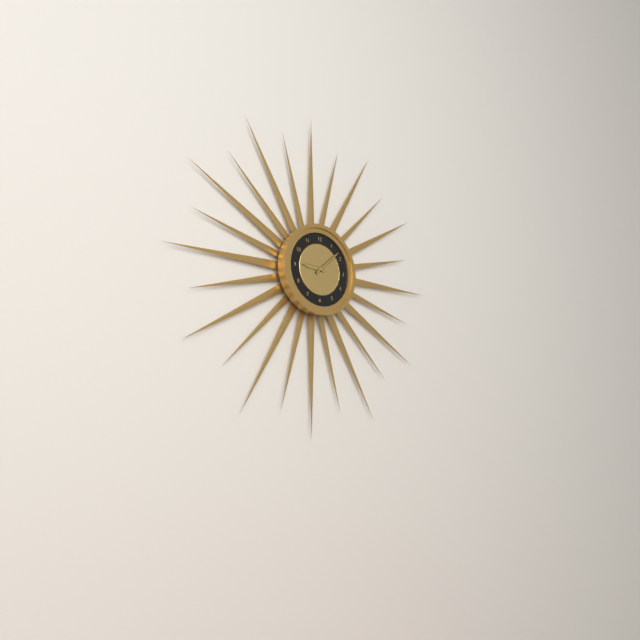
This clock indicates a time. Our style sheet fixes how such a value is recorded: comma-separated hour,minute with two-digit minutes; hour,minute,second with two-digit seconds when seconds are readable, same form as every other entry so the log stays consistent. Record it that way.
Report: 9,08
